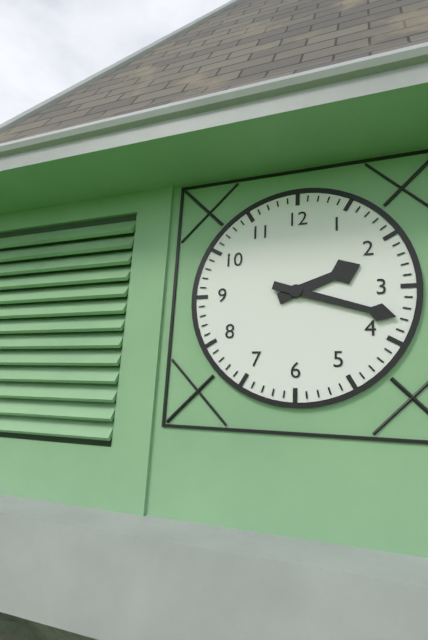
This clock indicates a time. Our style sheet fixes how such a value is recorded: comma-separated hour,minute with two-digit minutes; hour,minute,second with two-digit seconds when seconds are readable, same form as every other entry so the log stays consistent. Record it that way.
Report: 2,18
